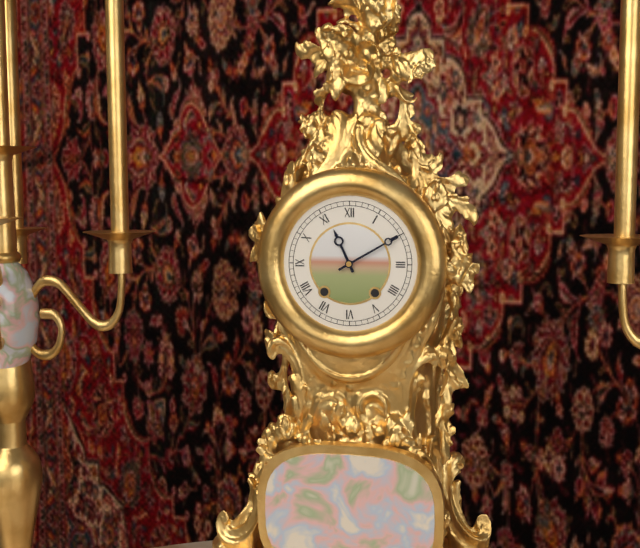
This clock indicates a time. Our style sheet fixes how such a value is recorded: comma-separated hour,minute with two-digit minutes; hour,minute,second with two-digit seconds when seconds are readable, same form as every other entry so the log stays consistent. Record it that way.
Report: 11,10
